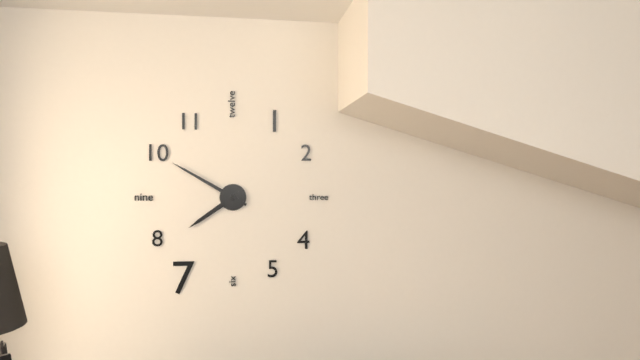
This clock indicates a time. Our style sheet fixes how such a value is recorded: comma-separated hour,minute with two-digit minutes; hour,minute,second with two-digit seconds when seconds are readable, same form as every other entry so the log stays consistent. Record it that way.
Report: 7,50
